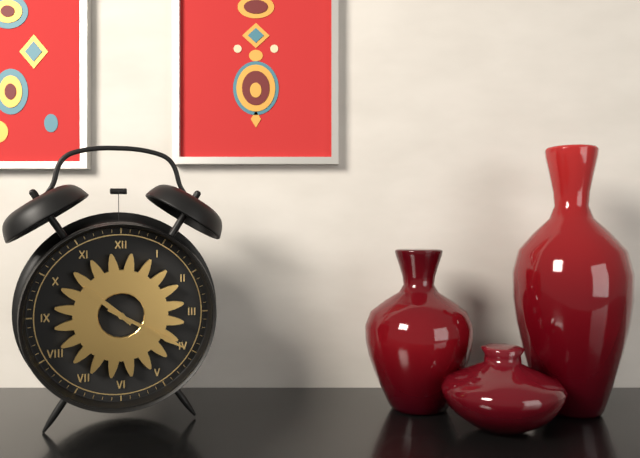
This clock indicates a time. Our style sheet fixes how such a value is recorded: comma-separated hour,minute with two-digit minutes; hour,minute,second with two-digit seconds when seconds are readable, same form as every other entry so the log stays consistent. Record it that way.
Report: 10,20
